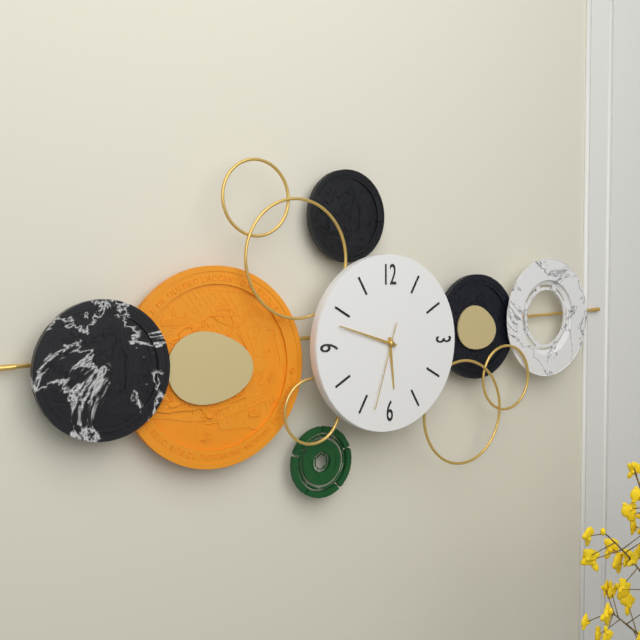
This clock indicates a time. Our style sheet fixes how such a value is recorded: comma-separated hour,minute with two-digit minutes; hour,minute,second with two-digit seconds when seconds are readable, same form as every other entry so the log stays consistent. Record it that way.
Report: 5,48,33
